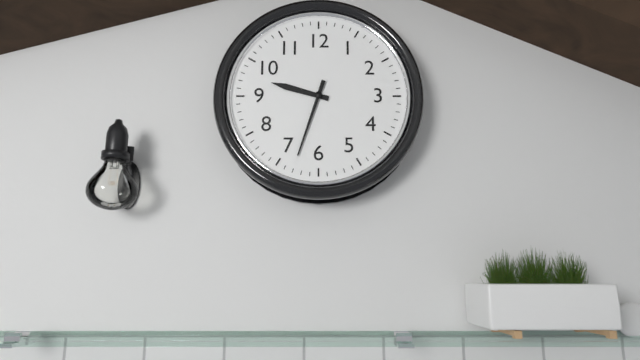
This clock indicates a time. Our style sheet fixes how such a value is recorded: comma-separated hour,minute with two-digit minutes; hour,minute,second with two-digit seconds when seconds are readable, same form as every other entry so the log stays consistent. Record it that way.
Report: 9,33
